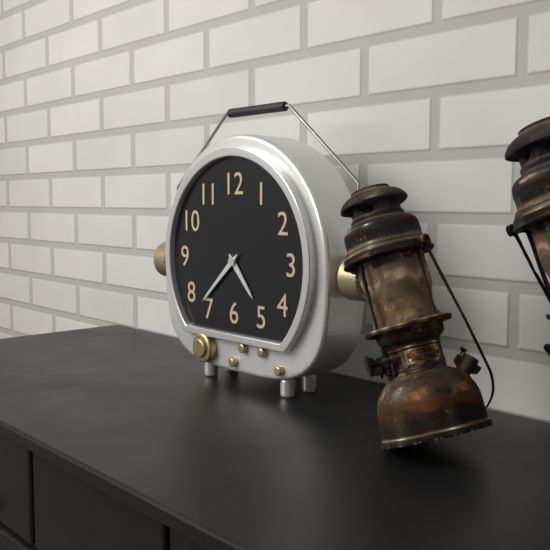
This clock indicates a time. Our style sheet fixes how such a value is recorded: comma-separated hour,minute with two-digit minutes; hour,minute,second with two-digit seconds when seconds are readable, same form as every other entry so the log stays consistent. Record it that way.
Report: 4,38
